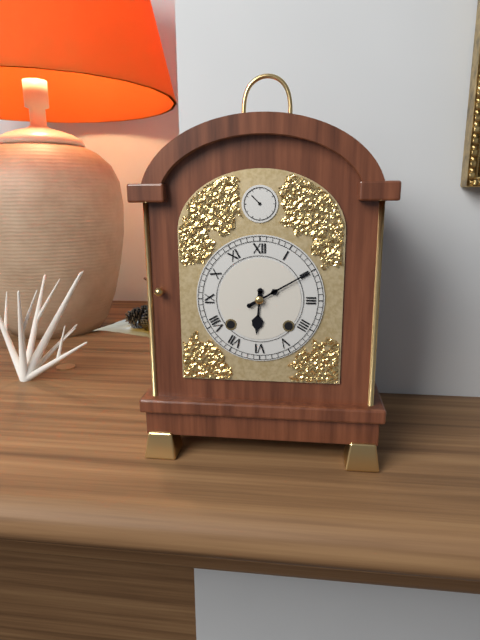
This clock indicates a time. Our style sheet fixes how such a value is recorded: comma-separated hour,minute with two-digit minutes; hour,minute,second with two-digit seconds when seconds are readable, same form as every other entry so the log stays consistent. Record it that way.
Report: 6,10
